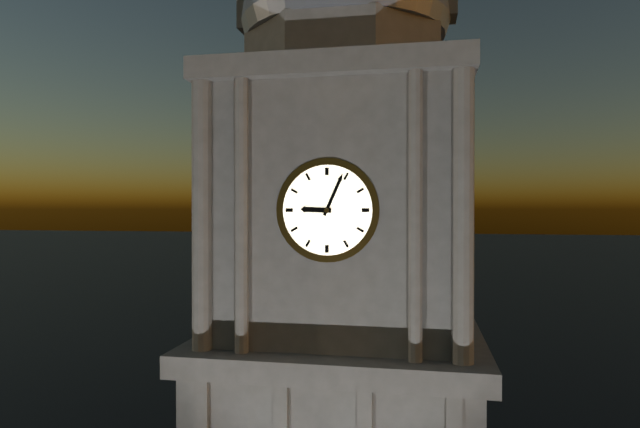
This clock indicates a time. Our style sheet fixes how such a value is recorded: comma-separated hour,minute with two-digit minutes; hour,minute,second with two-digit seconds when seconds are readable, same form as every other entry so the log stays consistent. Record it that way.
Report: 9,04
